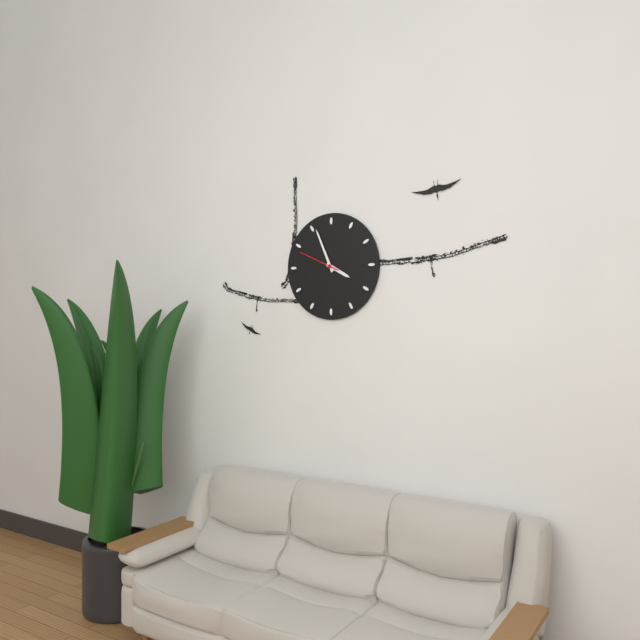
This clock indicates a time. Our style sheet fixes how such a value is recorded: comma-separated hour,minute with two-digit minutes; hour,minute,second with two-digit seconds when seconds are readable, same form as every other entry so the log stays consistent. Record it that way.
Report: 3,56
